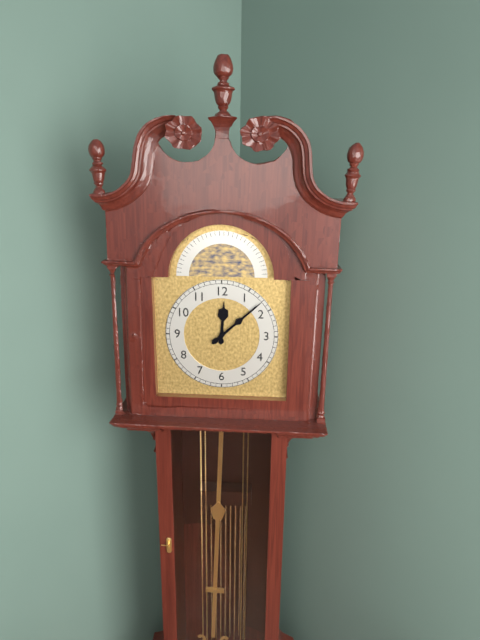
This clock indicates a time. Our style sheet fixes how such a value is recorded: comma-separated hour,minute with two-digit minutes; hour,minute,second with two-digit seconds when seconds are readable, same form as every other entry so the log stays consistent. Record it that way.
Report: 12,08
